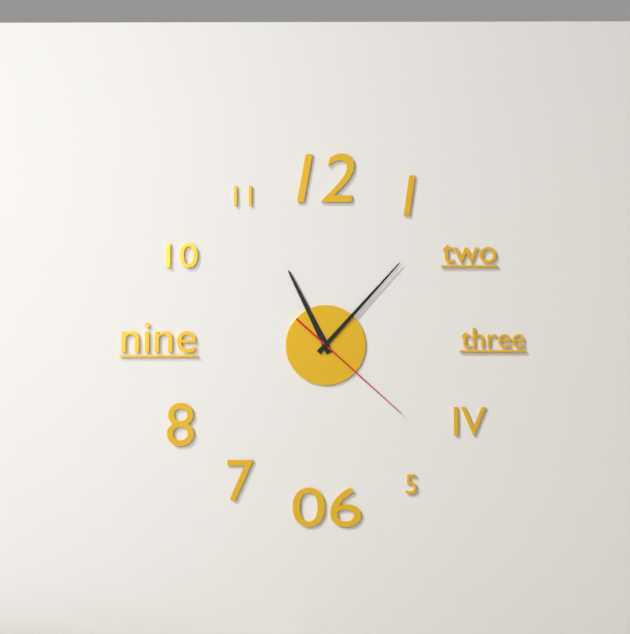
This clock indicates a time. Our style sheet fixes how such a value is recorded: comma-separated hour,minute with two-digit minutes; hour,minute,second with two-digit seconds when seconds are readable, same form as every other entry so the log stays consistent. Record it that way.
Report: 11,07,22
